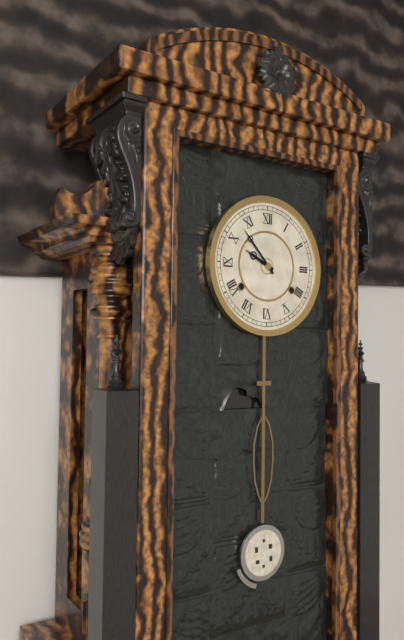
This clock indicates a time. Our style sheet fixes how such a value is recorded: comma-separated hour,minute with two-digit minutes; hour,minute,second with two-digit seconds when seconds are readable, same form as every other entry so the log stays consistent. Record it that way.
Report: 9,53
